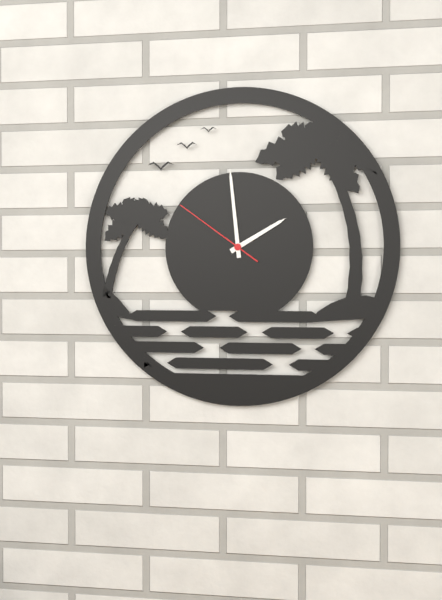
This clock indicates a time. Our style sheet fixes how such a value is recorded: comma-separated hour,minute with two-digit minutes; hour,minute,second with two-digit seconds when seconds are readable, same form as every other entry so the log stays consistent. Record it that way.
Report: 1,59,51
